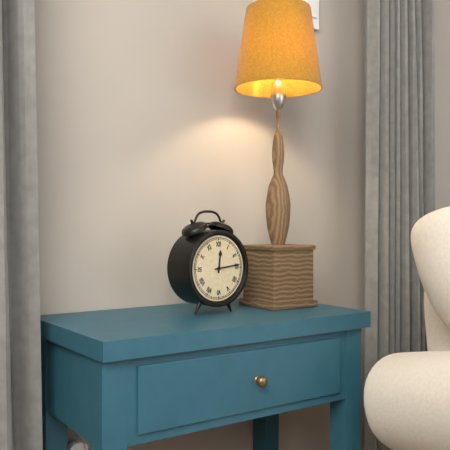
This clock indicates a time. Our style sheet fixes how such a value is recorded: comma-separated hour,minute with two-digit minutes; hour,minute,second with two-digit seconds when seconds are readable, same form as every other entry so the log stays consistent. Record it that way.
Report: 12,14
